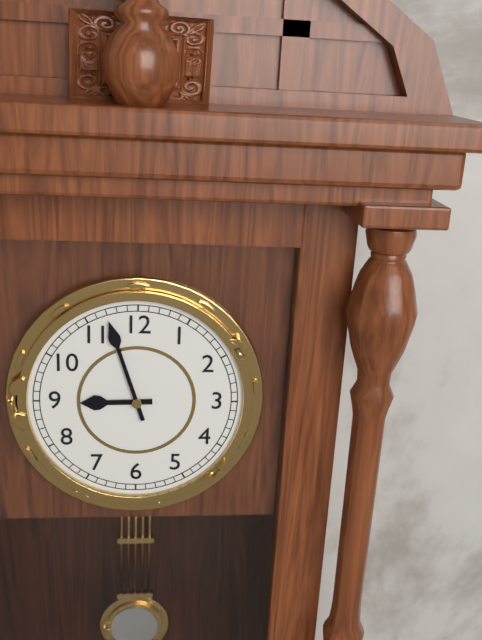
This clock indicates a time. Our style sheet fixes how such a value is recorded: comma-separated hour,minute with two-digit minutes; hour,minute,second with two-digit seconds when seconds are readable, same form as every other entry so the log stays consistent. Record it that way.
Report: 8,57
